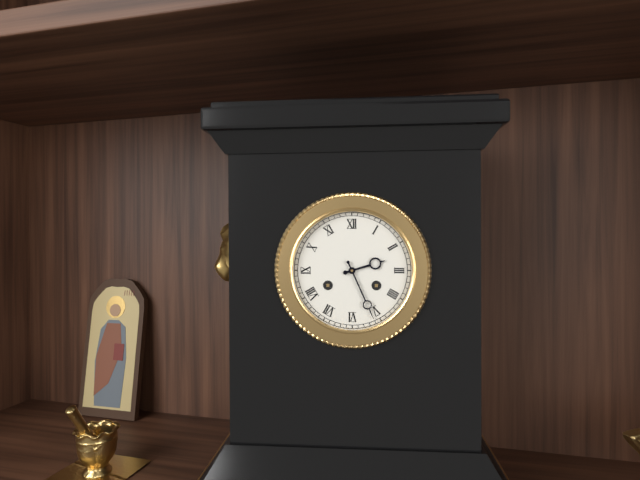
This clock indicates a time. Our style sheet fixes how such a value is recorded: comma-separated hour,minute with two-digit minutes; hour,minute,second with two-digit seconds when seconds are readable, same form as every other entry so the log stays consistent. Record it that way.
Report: 2,26
